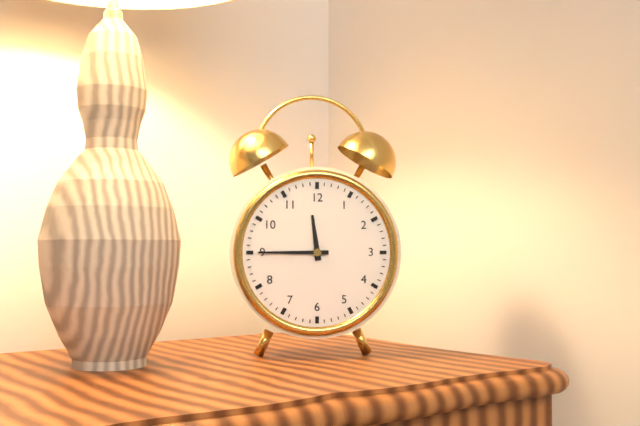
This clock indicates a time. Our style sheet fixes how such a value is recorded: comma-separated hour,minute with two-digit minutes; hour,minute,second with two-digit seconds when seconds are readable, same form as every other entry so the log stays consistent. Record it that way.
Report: 11,45
